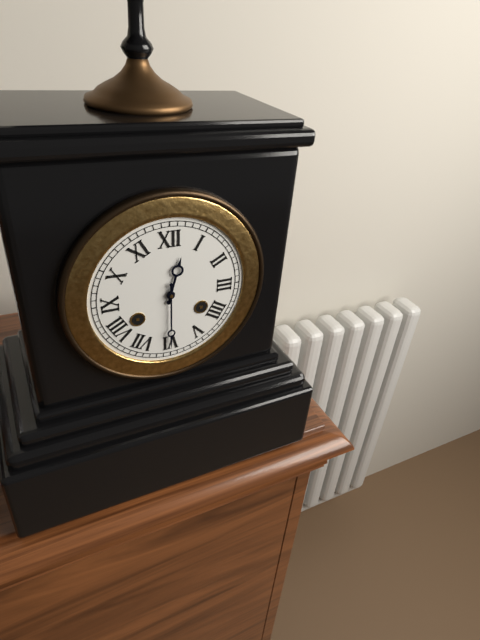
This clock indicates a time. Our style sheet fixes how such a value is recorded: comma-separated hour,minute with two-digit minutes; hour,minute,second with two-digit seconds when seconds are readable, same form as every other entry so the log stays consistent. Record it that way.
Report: 12,30
